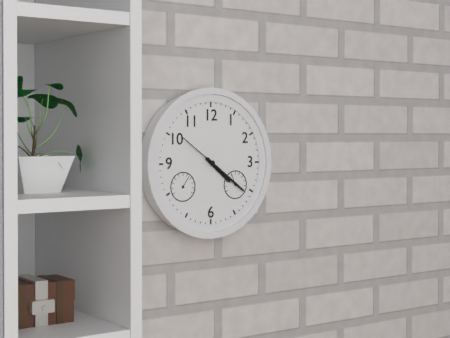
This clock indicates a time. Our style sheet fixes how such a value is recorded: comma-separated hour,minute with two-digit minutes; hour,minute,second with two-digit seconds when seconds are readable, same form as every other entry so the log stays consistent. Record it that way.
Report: 4,21
